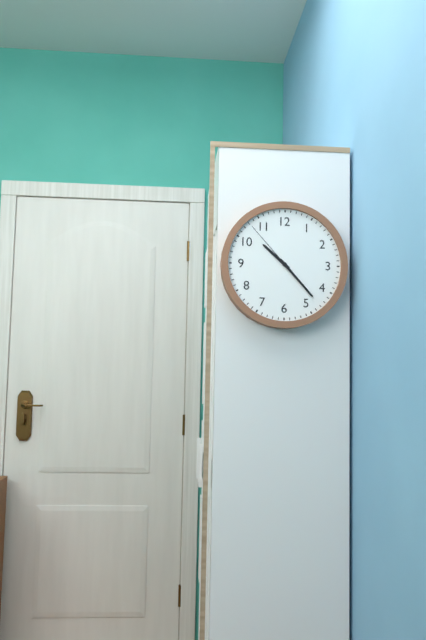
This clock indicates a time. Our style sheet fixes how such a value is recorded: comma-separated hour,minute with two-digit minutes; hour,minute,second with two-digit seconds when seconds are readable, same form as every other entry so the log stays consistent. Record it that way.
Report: 10,23,53
